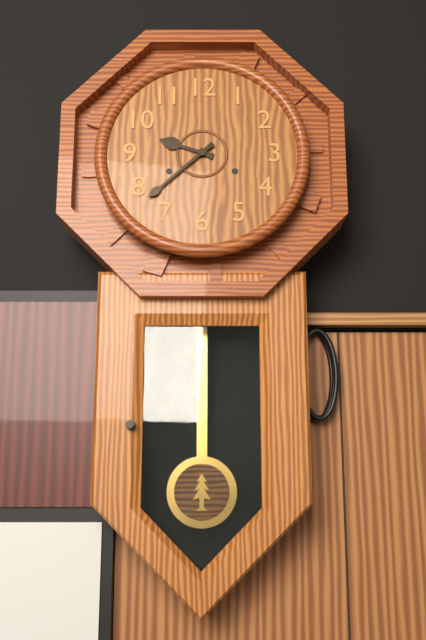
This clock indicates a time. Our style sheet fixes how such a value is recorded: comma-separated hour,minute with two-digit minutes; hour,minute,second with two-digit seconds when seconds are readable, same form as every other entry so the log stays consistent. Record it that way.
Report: 9,38
